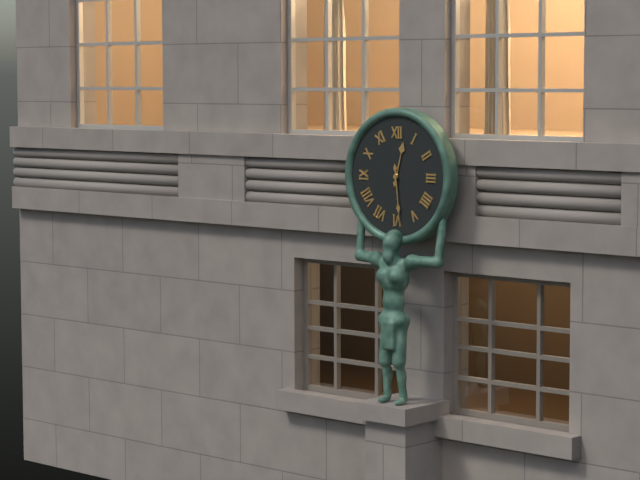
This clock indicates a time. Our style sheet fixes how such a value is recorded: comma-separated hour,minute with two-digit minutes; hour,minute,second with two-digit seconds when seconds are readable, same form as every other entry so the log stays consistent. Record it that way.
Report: 12,29
